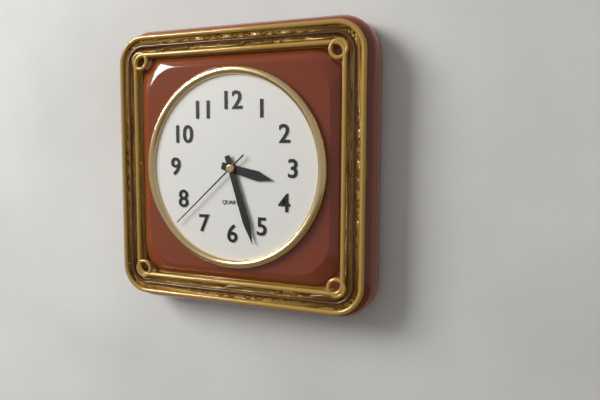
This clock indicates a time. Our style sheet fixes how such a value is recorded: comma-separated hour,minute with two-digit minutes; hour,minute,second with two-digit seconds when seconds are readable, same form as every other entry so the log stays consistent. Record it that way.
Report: 3,27,38
